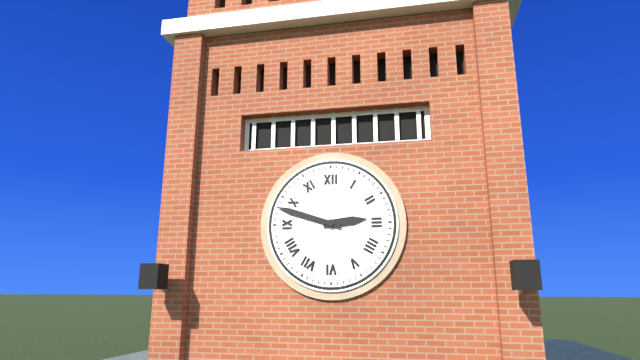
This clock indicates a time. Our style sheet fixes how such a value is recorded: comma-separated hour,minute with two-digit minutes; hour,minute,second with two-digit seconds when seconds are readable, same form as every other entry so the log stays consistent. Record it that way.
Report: 2,48
